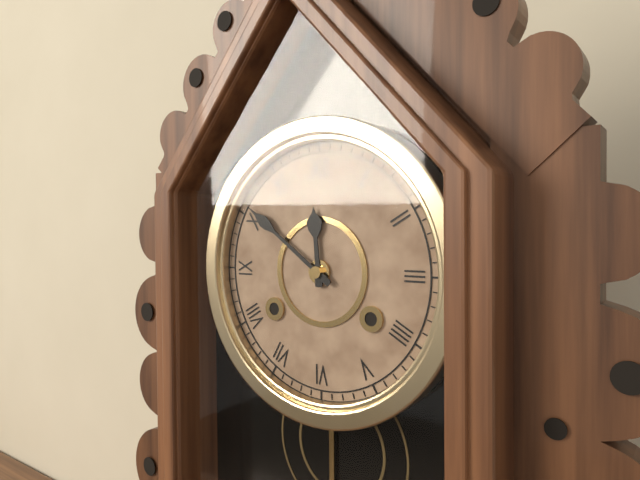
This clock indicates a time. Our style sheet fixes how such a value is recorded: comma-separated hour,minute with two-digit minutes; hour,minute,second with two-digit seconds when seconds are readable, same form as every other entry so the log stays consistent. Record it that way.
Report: 11,51
